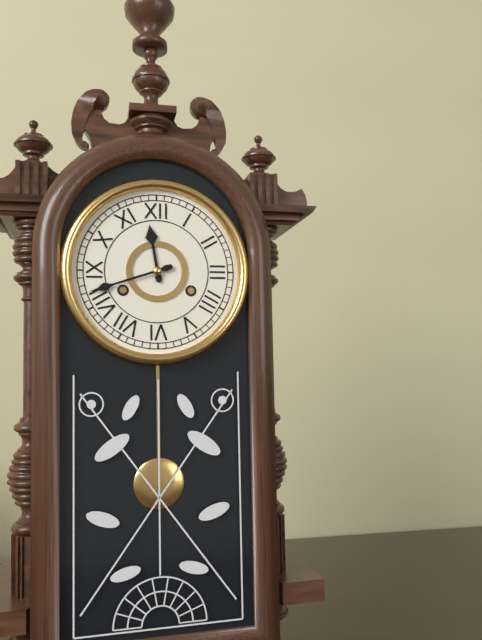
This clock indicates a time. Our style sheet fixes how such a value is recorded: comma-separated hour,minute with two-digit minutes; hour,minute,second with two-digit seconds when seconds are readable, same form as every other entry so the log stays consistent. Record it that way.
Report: 11,42
